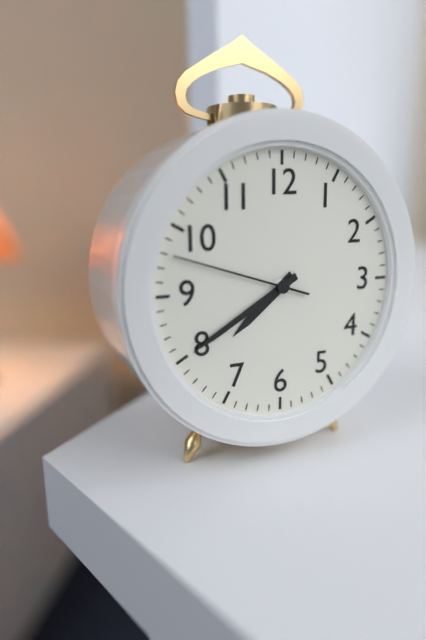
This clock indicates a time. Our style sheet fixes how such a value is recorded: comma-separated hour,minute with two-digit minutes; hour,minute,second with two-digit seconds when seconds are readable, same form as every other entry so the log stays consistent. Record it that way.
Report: 7,40,48
